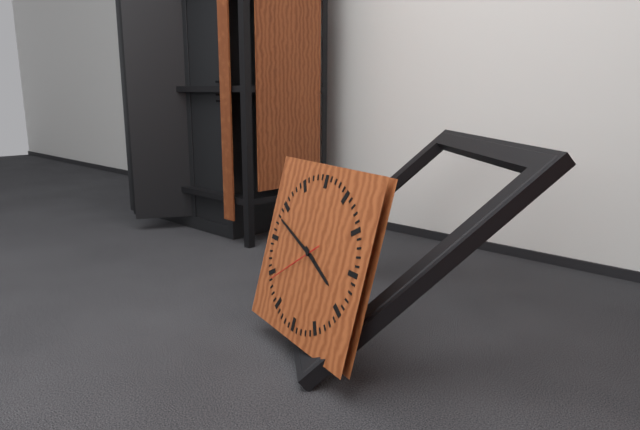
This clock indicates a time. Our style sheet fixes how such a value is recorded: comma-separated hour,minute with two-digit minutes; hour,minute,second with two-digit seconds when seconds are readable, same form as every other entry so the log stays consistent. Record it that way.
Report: 3,48,39
